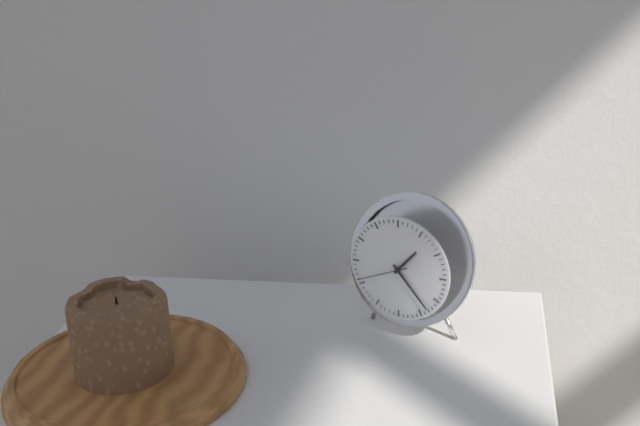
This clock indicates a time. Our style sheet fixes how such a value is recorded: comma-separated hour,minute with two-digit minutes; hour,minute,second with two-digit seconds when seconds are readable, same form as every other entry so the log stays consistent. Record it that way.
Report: 1,23,41
